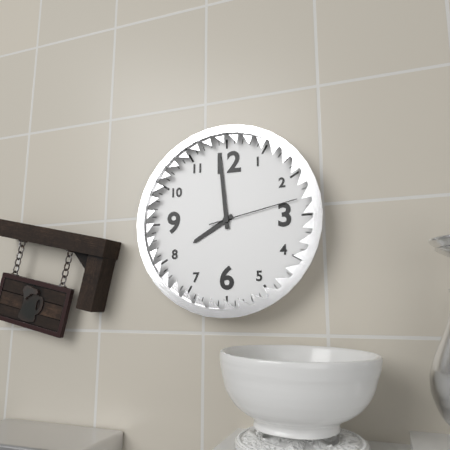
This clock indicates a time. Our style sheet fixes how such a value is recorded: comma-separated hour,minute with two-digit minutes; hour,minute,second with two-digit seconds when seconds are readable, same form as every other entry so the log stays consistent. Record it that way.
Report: 7,59,13
